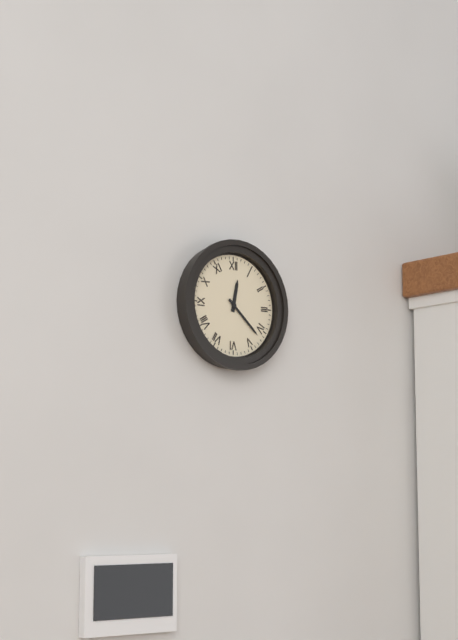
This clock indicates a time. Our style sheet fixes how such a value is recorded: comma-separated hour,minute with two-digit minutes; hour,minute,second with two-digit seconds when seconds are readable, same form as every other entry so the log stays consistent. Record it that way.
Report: 12,22
